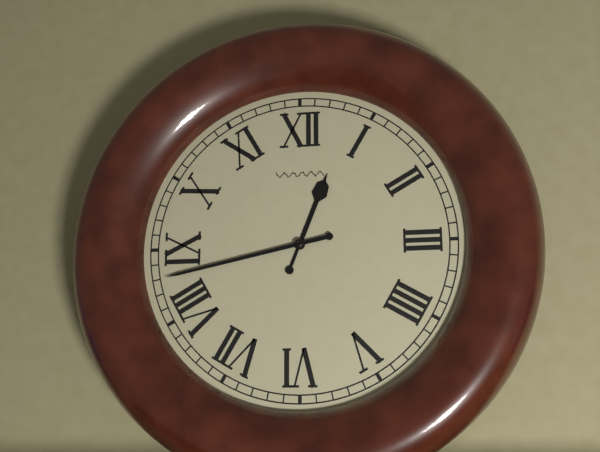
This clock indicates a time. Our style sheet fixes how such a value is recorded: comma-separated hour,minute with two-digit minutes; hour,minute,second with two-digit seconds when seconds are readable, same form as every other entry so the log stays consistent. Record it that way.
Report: 12,43
